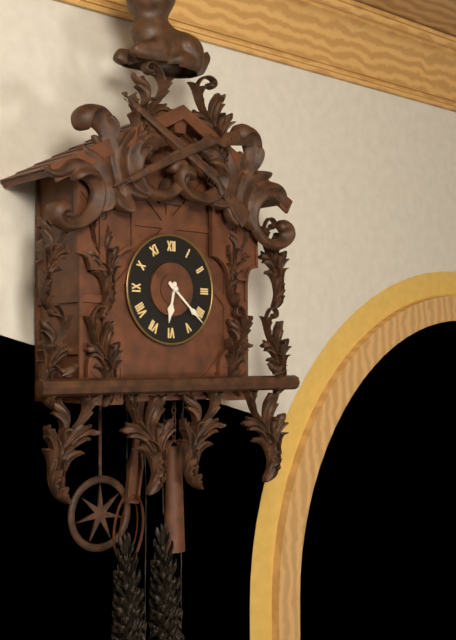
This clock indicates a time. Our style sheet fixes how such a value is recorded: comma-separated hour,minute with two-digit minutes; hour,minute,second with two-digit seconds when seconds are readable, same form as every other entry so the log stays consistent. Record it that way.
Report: 6,22
